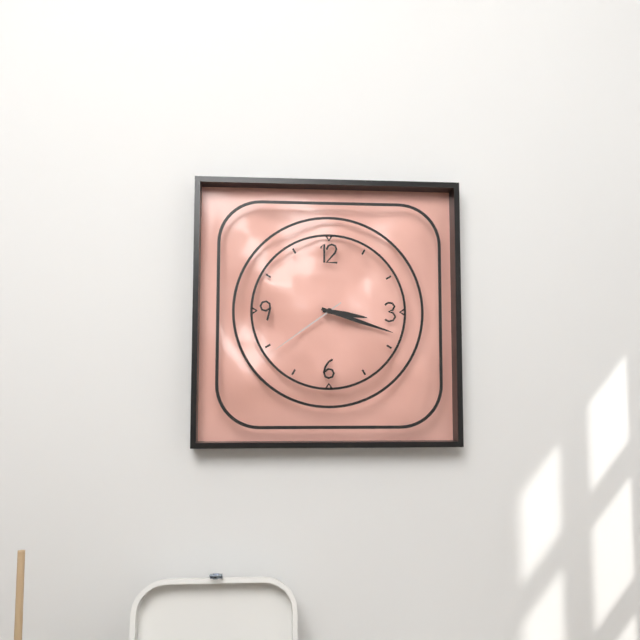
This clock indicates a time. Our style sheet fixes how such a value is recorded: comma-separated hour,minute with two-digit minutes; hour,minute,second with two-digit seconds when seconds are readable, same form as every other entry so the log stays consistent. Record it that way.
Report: 3,18,39
